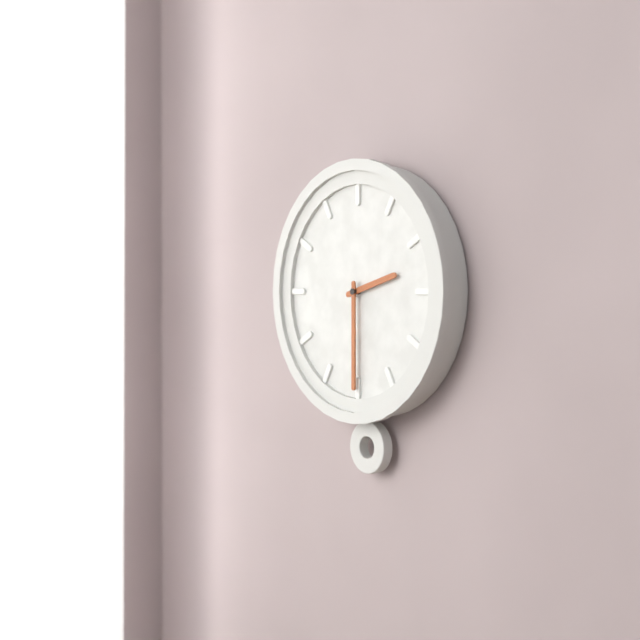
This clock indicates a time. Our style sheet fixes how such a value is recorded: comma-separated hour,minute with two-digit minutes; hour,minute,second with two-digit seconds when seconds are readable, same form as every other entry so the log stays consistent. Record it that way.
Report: 2,30
